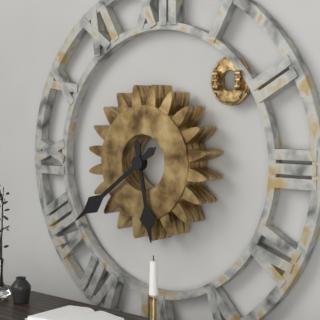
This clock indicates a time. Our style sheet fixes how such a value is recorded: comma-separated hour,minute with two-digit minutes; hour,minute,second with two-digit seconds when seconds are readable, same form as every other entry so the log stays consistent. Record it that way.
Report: 5,39
